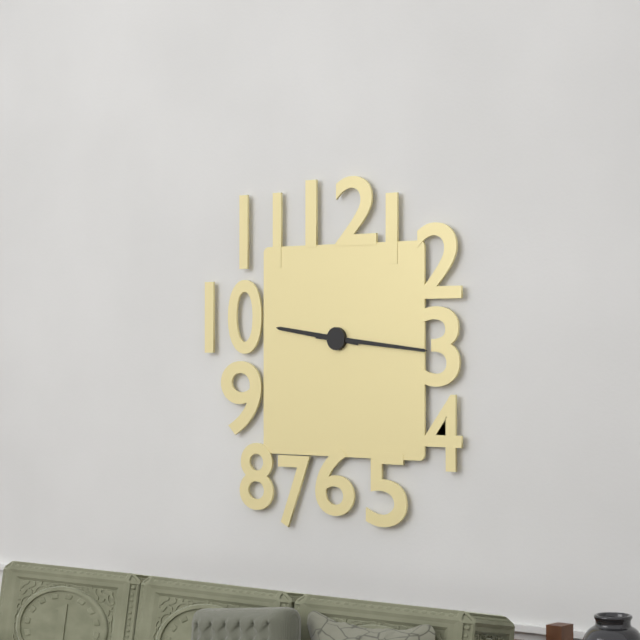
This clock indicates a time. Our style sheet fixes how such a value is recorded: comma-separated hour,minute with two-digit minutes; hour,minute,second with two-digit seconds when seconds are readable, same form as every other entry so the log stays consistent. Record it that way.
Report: 9,16
